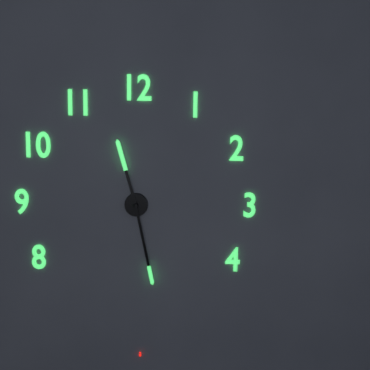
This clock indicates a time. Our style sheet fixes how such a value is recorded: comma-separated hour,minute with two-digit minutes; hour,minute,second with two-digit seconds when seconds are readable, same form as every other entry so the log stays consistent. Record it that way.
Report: 11,28
